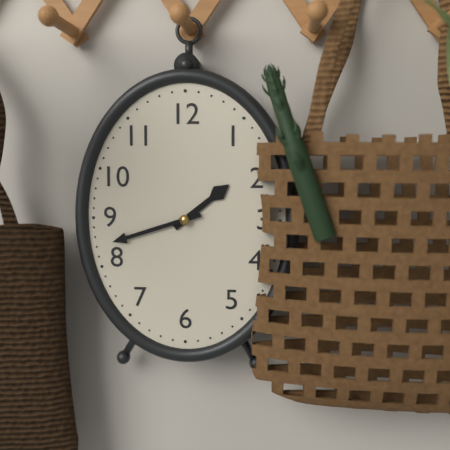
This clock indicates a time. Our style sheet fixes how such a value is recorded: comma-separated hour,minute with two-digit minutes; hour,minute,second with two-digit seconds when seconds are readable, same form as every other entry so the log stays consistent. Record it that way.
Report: 1,42
